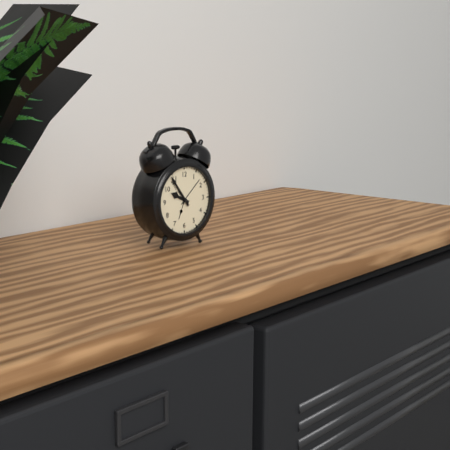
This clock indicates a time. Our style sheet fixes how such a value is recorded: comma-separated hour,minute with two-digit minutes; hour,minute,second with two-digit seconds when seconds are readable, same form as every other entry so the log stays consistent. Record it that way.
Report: 9,54
